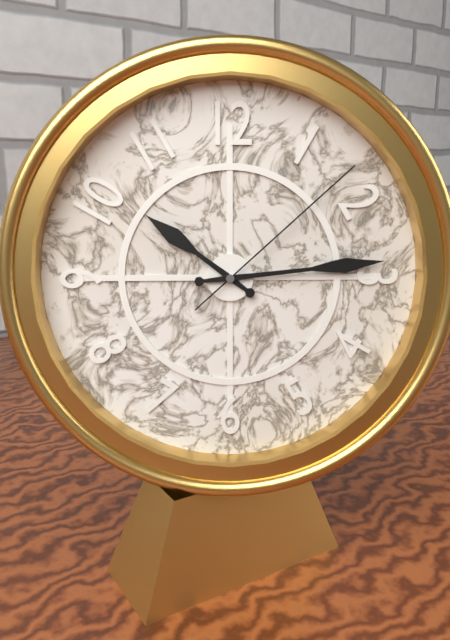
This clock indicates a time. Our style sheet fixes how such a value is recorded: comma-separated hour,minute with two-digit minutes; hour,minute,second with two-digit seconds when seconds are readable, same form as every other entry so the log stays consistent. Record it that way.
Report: 10,14,08
